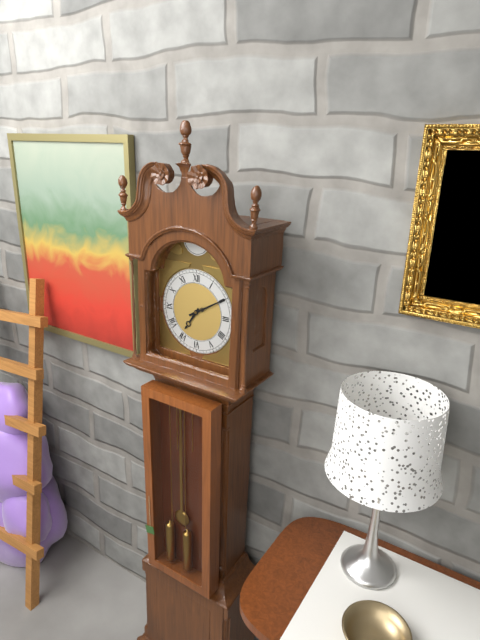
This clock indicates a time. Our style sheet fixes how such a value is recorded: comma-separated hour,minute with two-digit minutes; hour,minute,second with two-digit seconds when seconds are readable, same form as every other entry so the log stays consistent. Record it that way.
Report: 7,10
